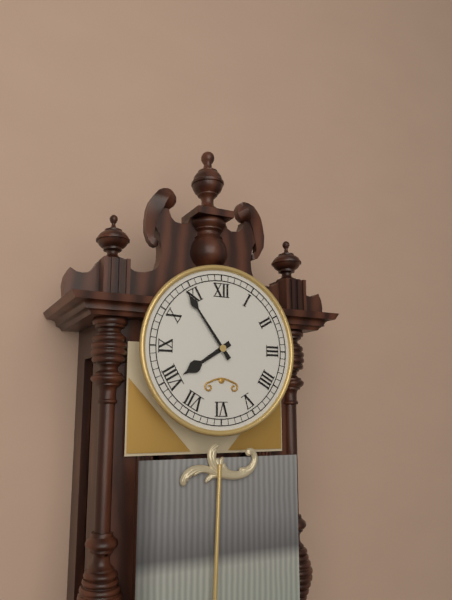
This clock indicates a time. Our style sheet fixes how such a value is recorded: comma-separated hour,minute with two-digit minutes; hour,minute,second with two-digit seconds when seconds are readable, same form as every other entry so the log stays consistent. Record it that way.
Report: 7,54
